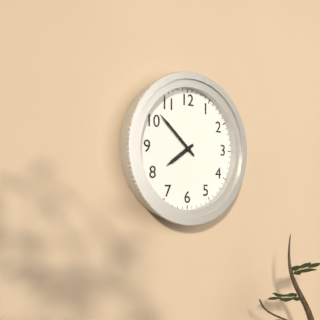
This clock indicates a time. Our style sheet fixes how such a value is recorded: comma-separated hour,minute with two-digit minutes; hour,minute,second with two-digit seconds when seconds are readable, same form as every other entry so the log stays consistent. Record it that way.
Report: 7,52
